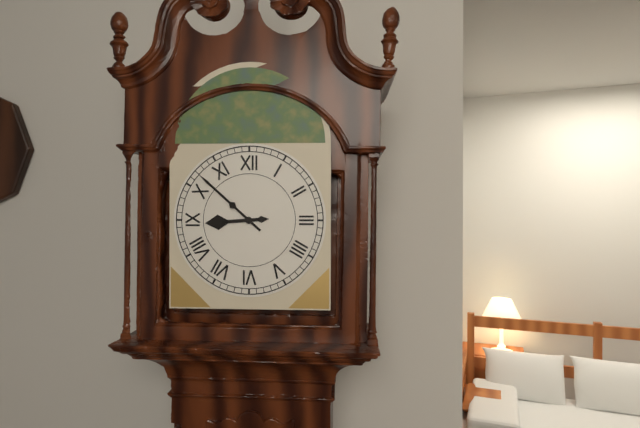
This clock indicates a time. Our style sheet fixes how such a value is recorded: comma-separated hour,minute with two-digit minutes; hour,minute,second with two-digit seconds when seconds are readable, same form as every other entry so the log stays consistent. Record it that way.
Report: 8,52
